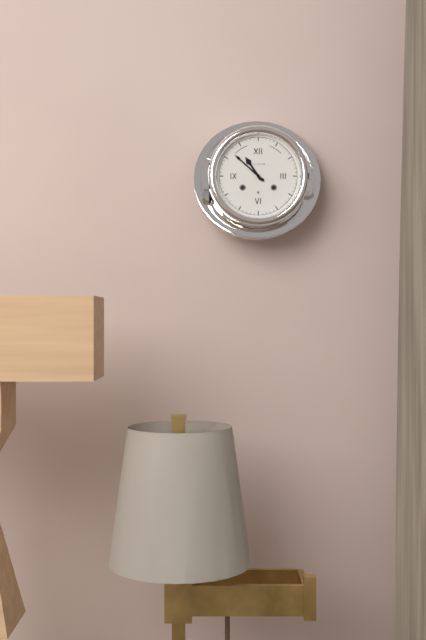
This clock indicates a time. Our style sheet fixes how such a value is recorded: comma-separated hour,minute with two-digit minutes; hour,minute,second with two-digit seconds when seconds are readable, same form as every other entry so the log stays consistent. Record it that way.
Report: 10,52
